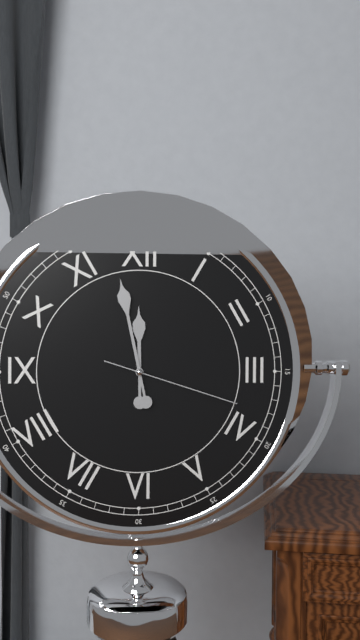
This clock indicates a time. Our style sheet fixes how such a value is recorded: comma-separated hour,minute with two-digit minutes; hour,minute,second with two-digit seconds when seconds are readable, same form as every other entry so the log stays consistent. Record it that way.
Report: 11,58,18
